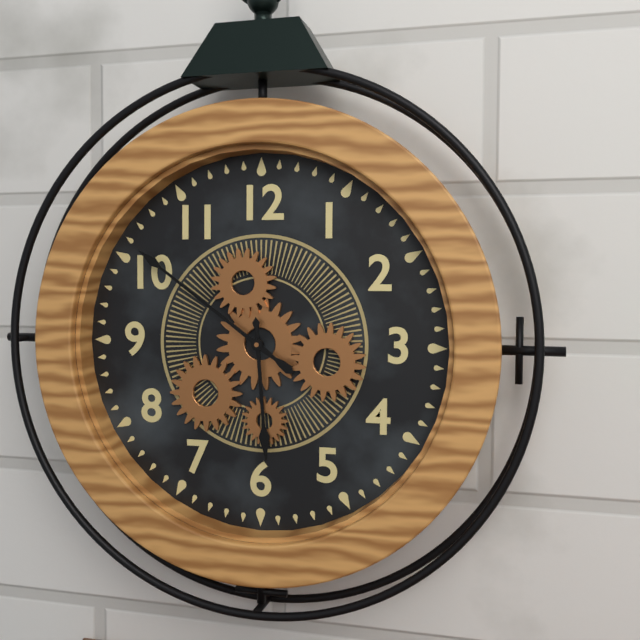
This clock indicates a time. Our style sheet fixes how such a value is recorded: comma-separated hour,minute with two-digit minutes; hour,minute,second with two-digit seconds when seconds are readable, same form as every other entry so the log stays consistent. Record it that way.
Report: 5,51
